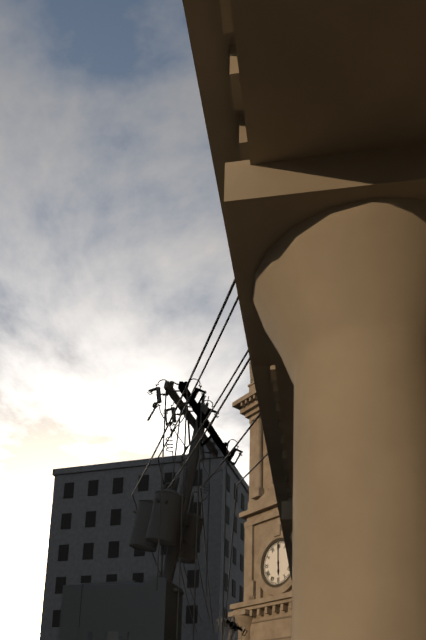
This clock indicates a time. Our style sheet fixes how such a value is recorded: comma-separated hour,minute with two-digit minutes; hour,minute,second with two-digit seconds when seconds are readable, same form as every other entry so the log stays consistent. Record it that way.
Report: 6,00
